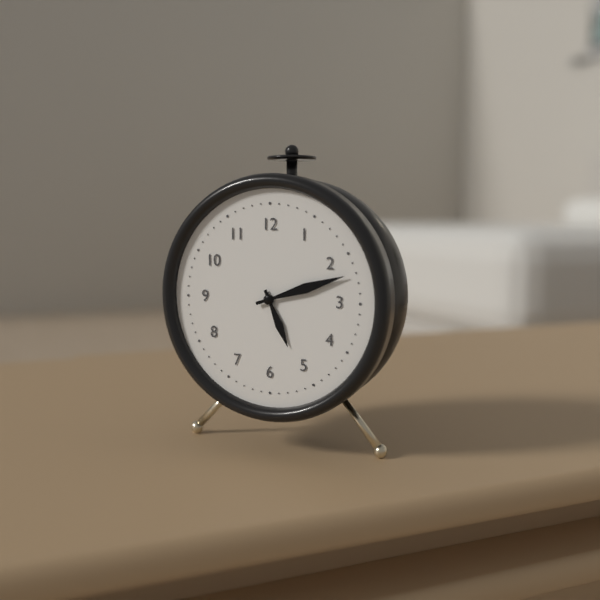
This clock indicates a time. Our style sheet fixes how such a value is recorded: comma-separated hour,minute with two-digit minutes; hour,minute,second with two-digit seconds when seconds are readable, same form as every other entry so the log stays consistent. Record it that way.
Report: 5,12
